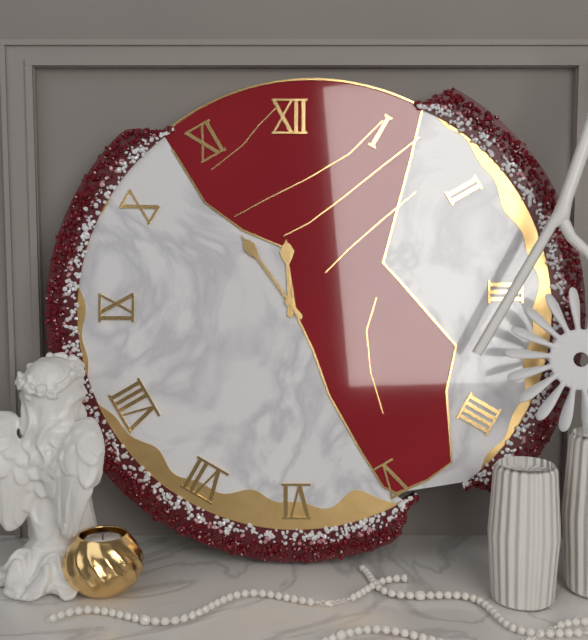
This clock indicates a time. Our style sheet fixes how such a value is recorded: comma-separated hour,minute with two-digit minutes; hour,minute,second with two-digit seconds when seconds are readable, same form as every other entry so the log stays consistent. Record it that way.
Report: 11,54
